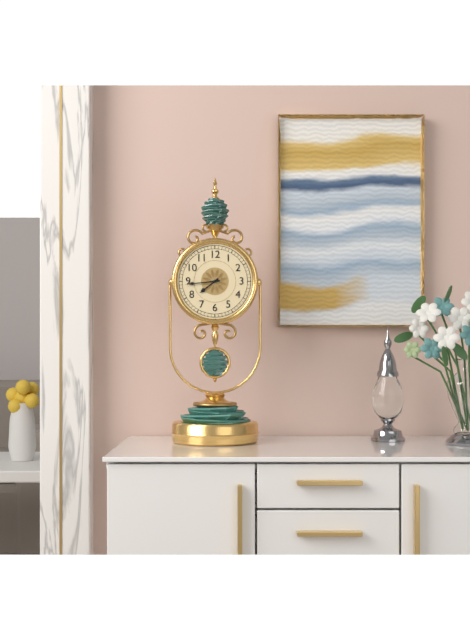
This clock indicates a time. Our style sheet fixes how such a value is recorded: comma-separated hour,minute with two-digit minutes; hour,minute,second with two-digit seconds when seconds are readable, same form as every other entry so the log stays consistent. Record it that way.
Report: 7,44
